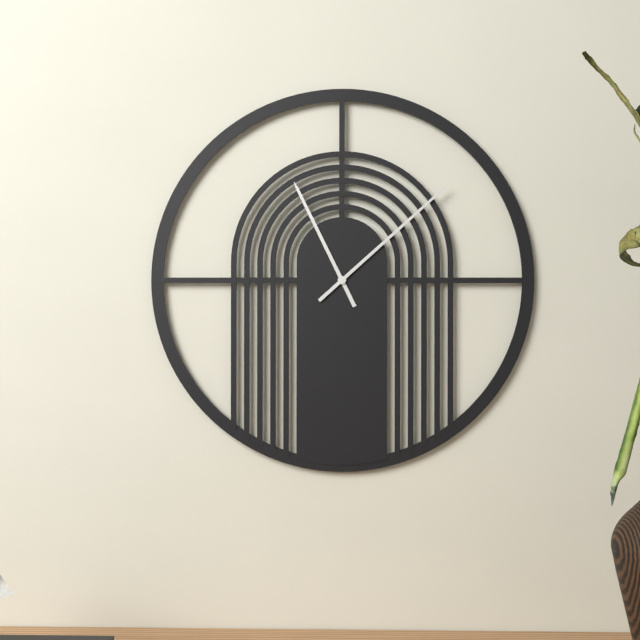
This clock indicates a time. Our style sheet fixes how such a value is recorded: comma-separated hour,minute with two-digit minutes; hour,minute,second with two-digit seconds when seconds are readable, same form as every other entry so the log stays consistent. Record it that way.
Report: 11,08
